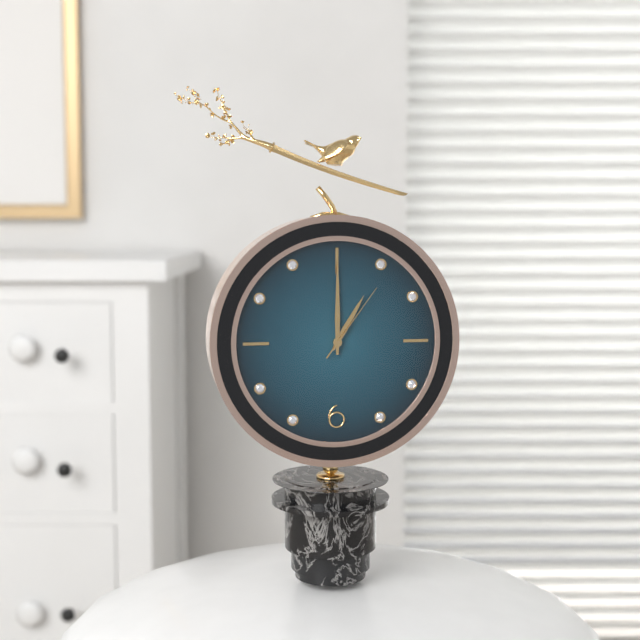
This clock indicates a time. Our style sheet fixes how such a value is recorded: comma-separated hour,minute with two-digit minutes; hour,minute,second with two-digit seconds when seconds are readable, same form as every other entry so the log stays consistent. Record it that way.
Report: 1,00,06
